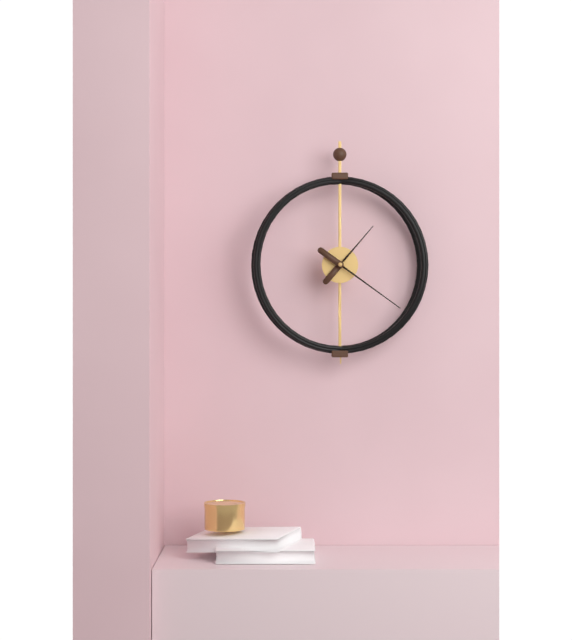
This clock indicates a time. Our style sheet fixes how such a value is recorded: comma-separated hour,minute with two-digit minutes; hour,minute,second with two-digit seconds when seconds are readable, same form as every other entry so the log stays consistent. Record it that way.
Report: 1,21
